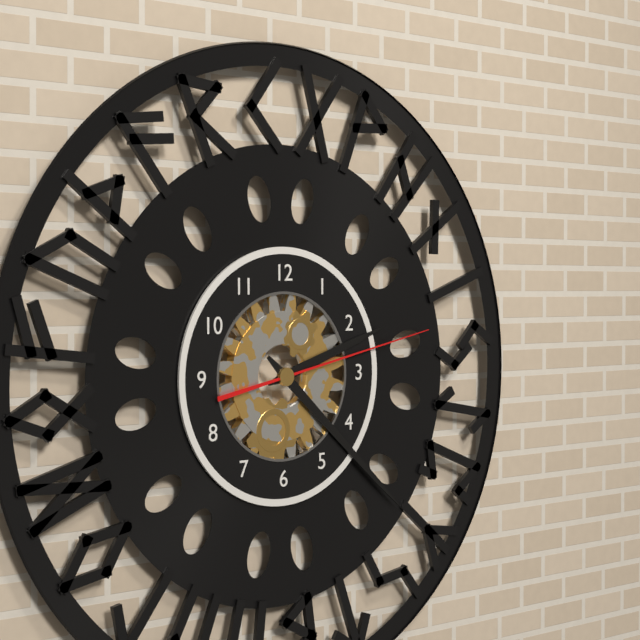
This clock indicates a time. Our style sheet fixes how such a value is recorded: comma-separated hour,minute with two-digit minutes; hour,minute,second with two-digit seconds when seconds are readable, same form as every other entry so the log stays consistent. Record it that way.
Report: 2,22,13
